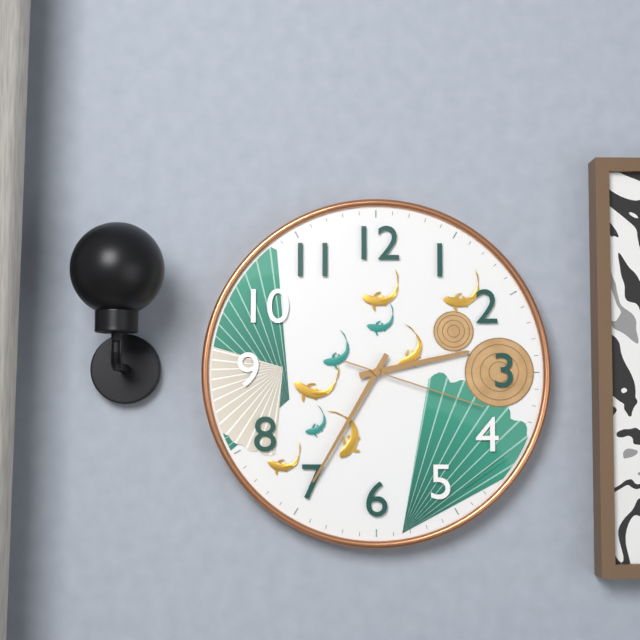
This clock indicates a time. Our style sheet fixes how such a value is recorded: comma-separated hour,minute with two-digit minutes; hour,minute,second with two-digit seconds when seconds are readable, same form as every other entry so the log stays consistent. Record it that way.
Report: 2,35,18
